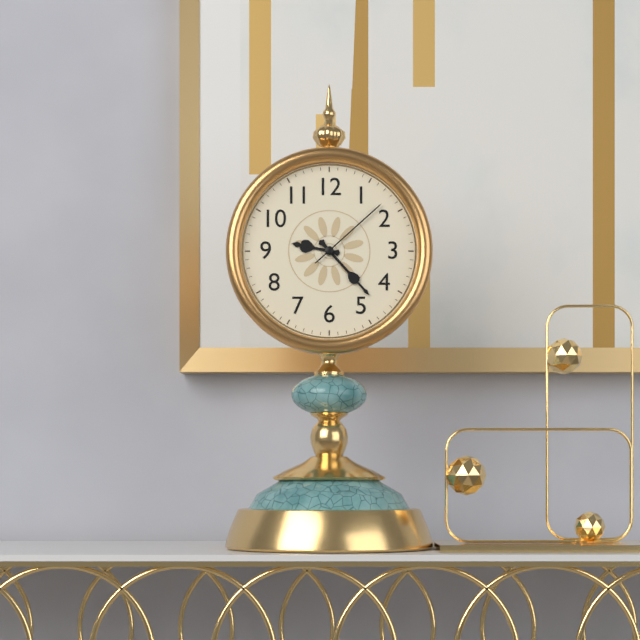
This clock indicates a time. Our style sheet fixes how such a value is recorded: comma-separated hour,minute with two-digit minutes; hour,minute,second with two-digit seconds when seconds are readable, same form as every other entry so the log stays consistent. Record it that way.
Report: 9,23,08
